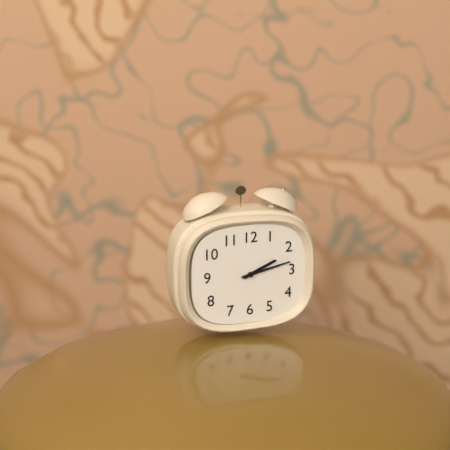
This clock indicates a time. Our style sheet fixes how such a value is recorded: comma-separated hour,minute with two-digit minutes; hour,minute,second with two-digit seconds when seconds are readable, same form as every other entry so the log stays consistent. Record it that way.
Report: 2,13
